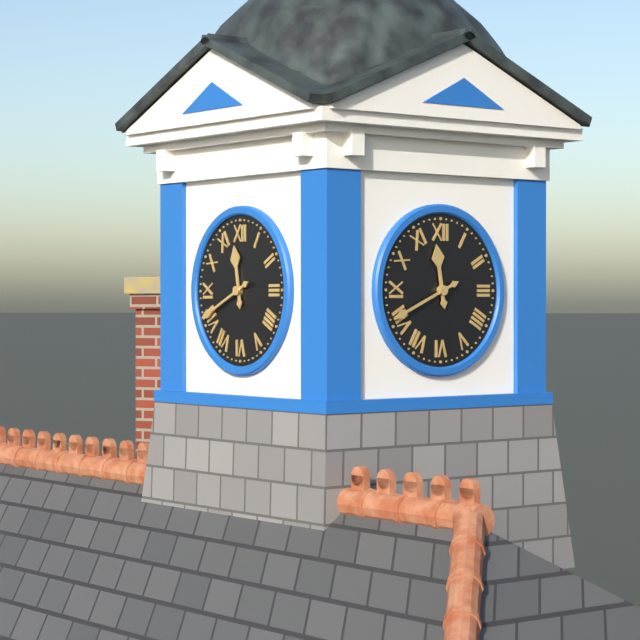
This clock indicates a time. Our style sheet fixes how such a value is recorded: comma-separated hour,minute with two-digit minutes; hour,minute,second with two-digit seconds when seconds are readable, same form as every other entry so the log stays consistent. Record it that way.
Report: 11,41
